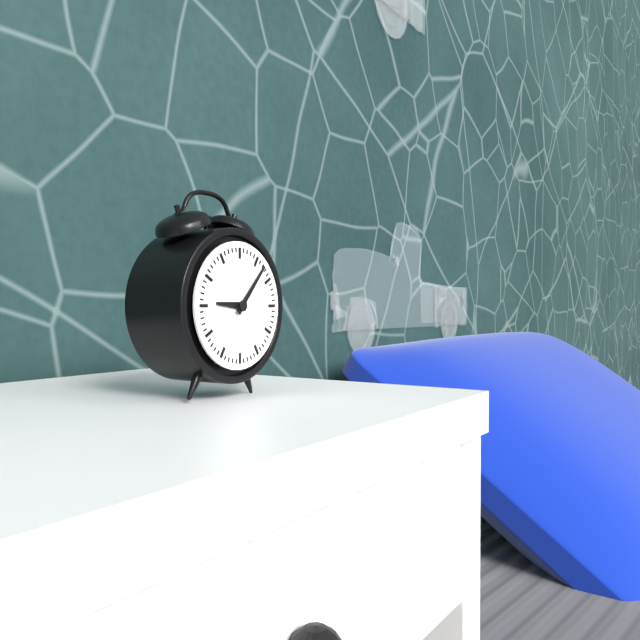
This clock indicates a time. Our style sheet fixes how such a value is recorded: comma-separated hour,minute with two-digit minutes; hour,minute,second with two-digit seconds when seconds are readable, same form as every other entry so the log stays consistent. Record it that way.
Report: 9,07
